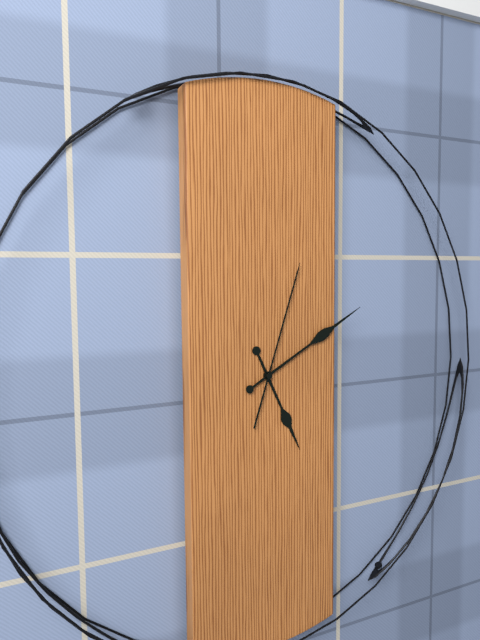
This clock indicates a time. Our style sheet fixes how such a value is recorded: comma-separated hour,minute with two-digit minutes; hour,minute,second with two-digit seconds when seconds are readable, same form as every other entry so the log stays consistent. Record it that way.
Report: 5,10,03
